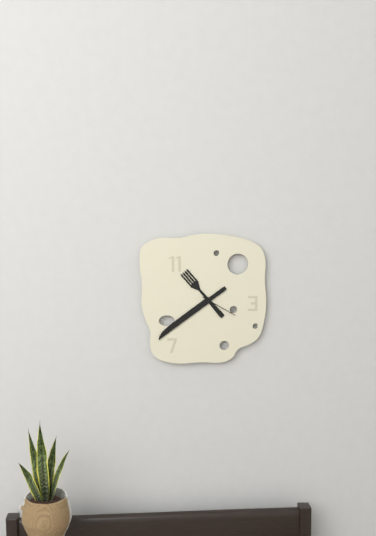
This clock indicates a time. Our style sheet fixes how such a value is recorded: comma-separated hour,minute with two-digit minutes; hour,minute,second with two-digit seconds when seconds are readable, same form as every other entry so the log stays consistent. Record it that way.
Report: 10,39
